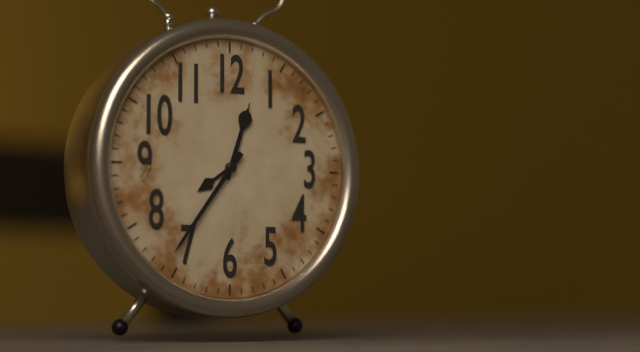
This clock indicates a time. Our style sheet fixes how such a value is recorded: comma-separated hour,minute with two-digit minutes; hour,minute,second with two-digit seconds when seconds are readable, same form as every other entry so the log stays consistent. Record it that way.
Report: 12,36
